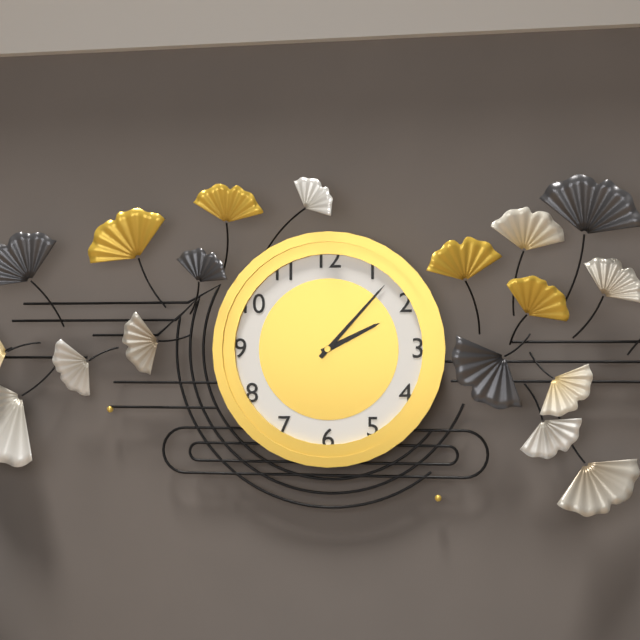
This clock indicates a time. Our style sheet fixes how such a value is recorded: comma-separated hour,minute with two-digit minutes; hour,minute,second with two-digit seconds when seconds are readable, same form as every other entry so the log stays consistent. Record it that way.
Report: 2,07
